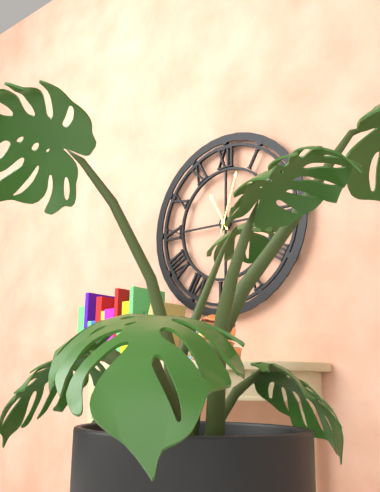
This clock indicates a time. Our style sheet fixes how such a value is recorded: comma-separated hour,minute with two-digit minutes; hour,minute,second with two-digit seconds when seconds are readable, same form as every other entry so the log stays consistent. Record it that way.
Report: 11,03
